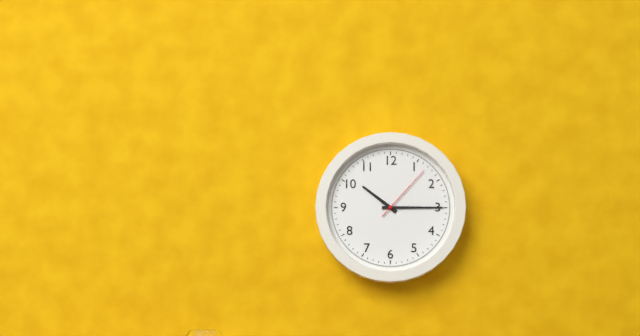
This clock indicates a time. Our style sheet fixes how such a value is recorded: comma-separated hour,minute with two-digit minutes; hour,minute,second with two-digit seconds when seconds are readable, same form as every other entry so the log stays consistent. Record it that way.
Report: 10,15,07
